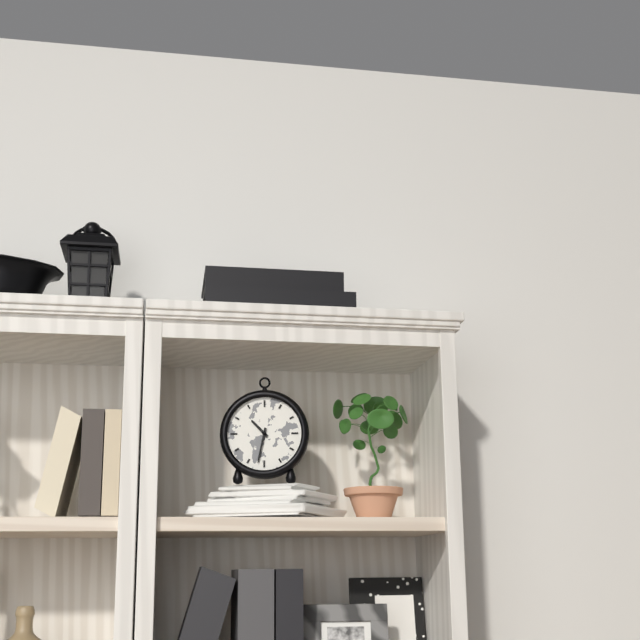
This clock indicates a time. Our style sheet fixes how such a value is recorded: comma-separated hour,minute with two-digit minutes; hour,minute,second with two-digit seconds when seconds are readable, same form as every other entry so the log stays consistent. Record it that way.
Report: 10,32
